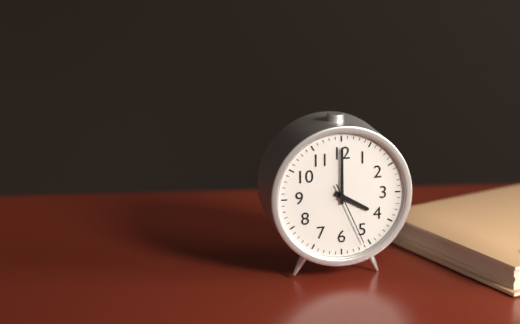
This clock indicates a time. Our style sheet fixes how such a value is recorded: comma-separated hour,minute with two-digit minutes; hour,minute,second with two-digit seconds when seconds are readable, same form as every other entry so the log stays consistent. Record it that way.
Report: 4,00,26
